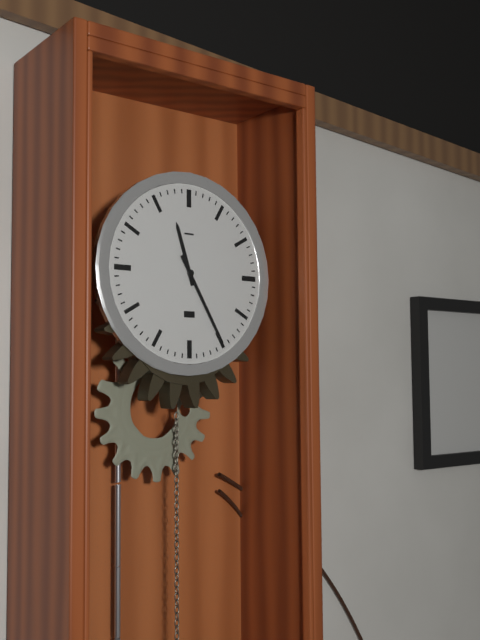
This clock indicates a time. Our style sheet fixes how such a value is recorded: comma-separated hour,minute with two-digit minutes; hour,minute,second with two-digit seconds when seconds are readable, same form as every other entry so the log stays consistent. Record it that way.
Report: 11,25
